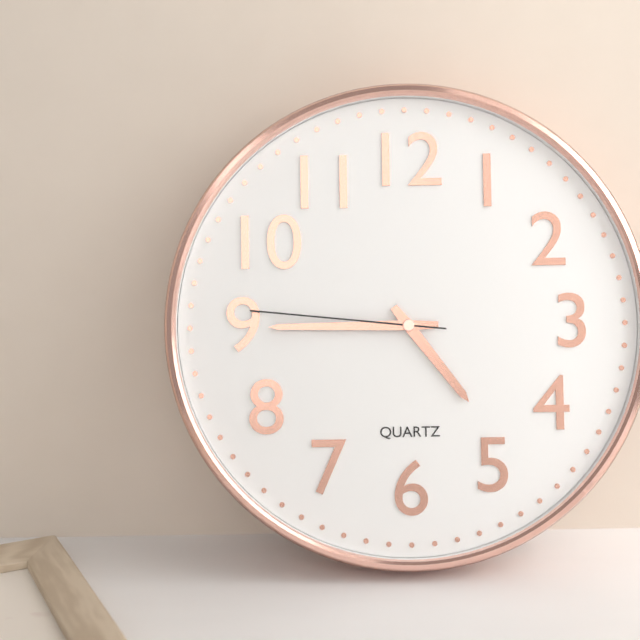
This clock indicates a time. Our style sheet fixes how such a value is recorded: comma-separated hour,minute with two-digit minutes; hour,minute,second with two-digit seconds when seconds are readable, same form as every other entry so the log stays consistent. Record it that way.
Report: 4,45,46
